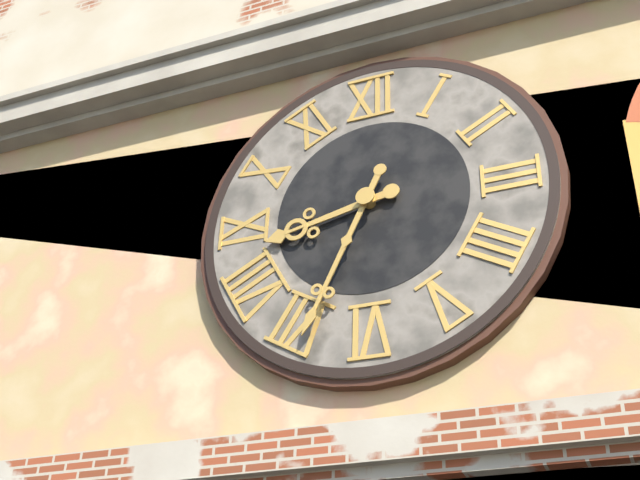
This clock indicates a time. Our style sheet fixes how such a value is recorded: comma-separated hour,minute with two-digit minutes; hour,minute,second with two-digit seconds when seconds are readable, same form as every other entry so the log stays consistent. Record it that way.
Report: 8,34
